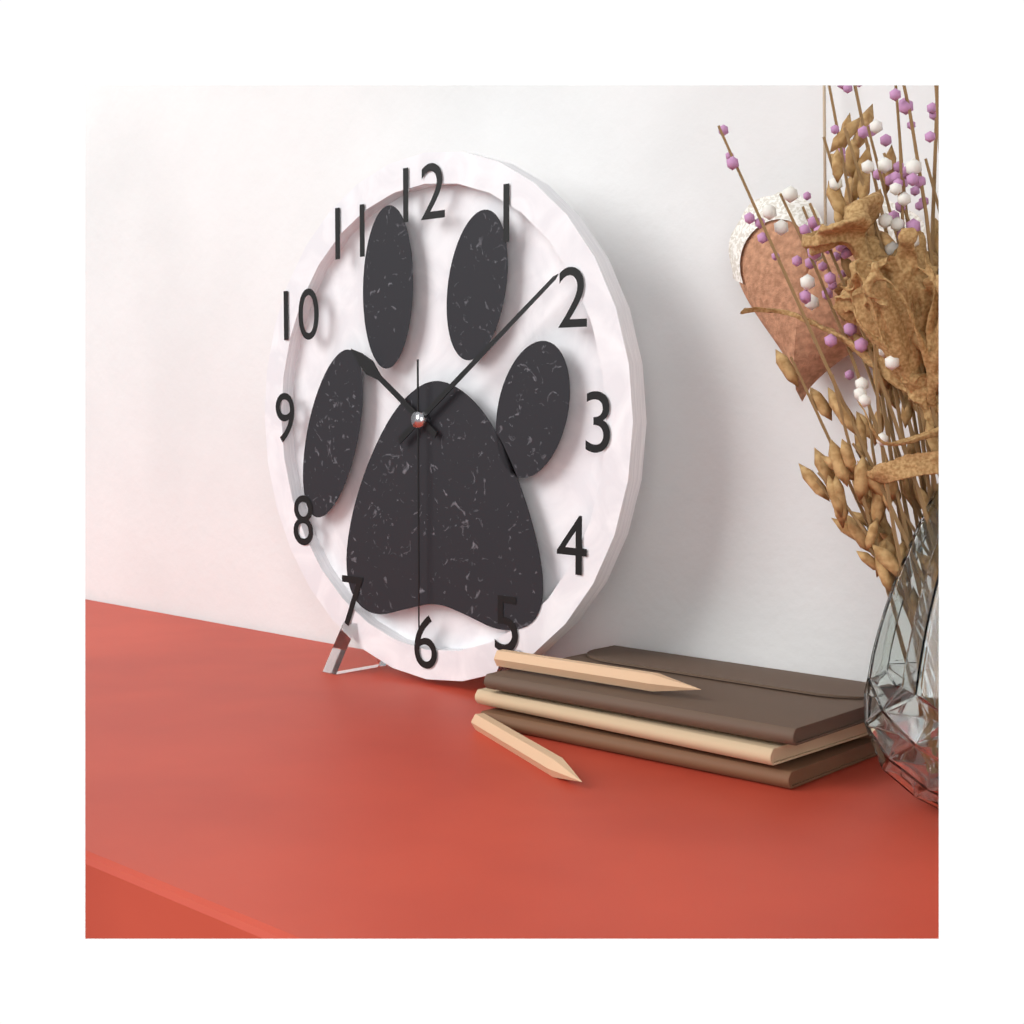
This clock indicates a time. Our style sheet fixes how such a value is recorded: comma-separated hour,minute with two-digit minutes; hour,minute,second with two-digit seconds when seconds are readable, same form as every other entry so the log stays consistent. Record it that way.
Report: 10,09,30
